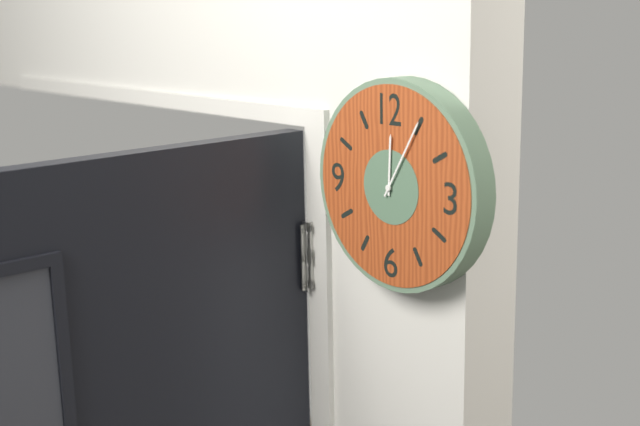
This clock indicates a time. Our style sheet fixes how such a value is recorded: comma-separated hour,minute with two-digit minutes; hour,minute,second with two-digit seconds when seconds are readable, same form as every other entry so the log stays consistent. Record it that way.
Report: 12,05
